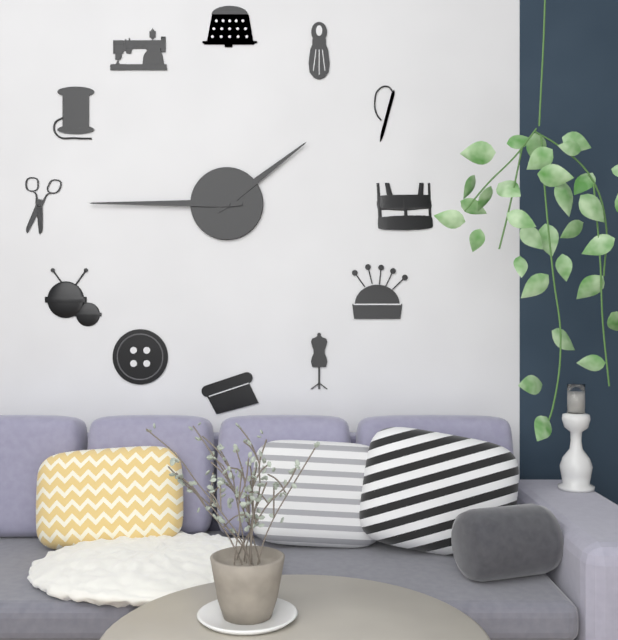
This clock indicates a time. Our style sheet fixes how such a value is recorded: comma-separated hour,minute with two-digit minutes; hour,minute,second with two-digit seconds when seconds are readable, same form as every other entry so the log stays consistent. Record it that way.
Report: 1,45
